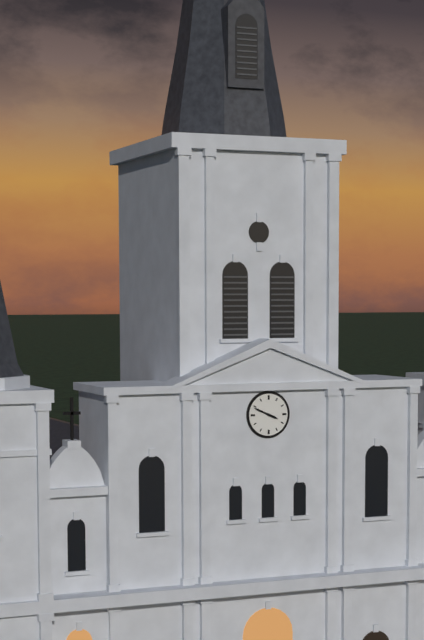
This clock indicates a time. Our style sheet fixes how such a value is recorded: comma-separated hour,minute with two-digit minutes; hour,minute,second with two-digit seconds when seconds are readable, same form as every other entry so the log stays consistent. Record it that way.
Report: 3,49
